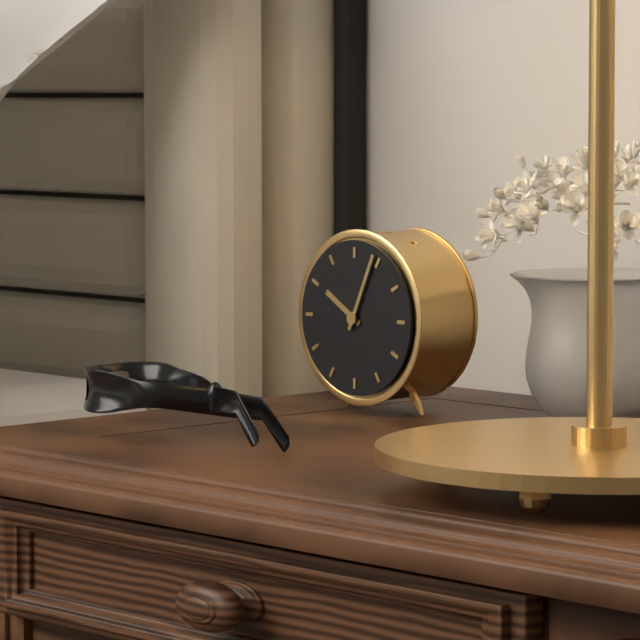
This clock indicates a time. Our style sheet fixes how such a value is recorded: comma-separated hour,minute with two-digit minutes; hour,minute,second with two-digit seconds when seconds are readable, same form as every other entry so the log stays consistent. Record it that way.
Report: 10,04
